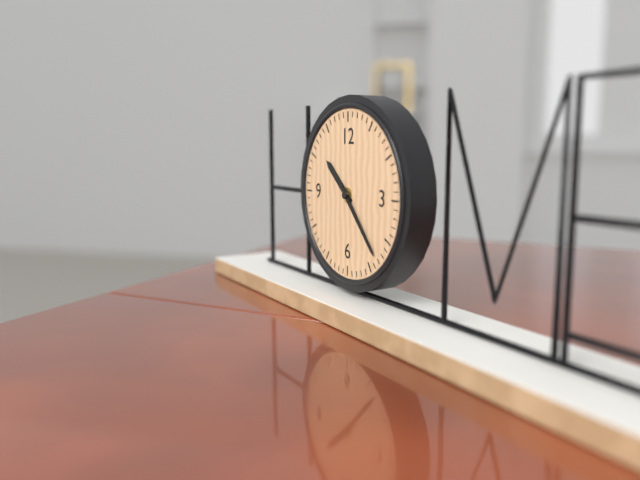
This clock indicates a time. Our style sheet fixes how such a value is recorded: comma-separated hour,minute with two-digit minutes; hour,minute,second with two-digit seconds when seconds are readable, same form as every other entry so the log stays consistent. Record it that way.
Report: 10,23
